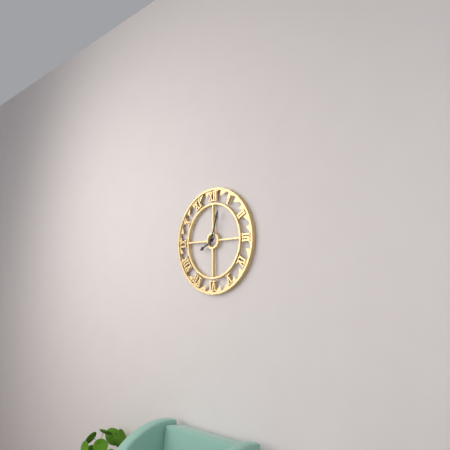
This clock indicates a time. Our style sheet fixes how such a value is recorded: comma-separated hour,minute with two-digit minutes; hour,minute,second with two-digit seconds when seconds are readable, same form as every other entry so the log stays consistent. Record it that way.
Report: 8,03
